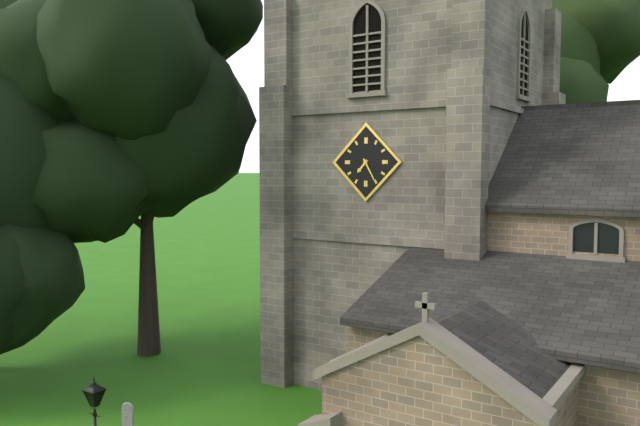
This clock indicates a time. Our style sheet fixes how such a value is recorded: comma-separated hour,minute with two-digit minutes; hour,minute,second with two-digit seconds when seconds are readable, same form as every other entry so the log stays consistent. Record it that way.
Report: 7,25
